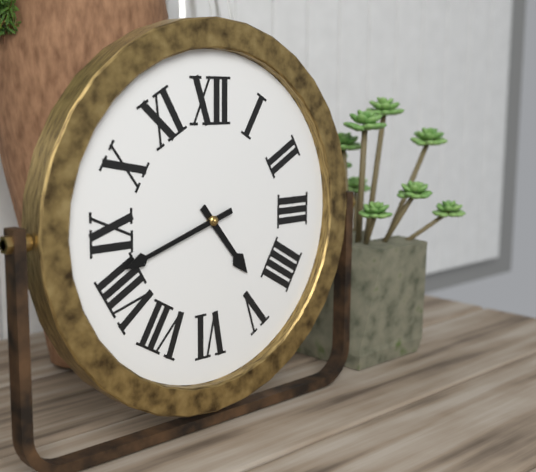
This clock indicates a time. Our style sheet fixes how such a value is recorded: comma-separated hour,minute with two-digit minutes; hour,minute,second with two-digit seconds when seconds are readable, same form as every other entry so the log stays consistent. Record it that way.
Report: 4,42
